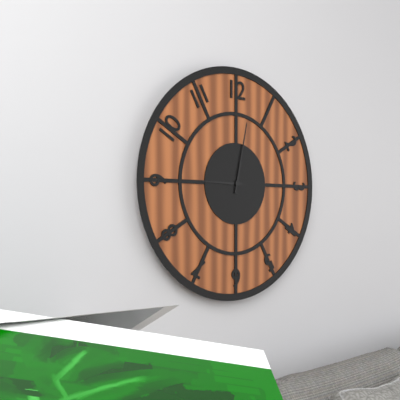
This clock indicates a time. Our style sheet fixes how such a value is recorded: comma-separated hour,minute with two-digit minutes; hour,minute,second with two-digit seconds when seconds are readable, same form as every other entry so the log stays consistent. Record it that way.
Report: 9,02
